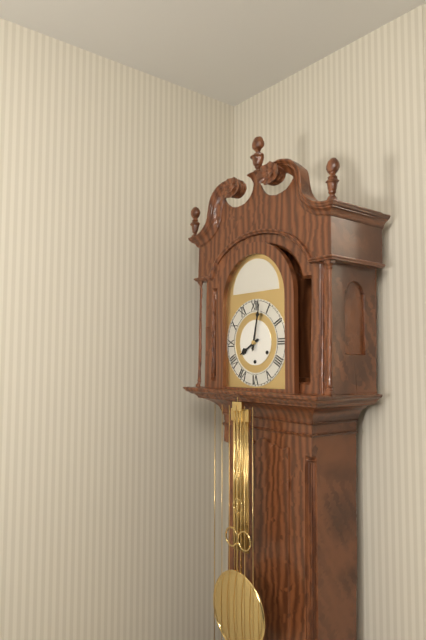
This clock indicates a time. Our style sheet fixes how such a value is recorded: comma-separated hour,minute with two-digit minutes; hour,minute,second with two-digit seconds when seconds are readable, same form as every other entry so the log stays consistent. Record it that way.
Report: 8,02
